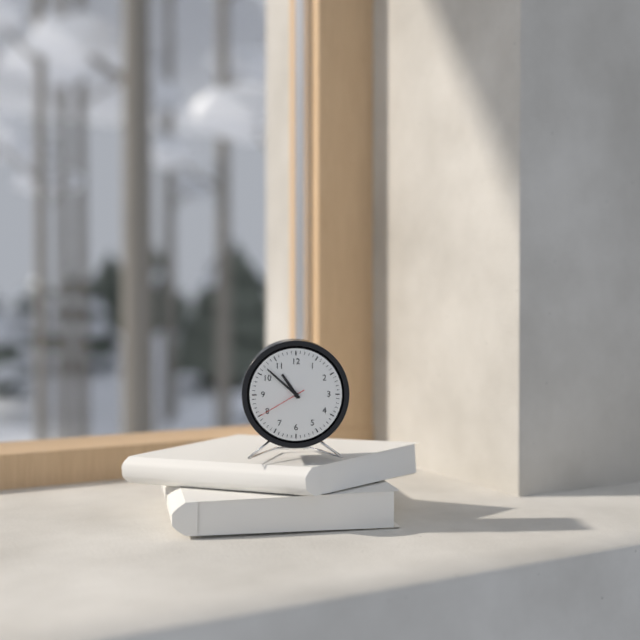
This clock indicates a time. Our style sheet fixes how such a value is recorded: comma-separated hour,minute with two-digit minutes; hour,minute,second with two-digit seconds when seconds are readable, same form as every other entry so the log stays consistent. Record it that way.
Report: 10,52,40
